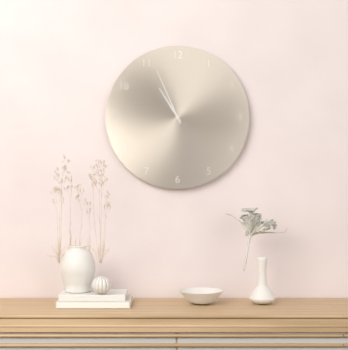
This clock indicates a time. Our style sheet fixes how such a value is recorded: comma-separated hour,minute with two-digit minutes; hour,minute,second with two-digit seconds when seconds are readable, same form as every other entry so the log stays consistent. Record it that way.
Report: 10,56
